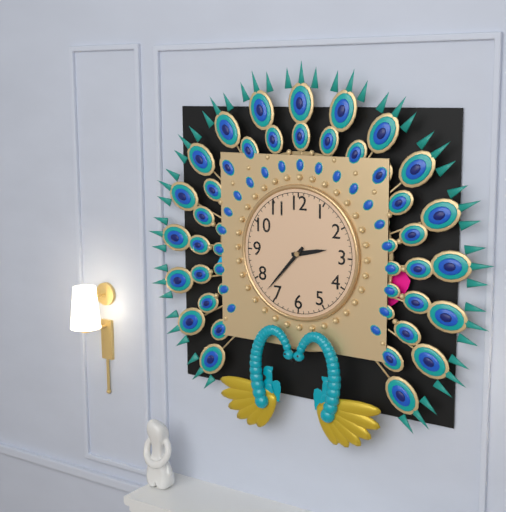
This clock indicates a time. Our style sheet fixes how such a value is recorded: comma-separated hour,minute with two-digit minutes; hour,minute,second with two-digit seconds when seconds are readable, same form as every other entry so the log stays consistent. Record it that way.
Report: 2,37
